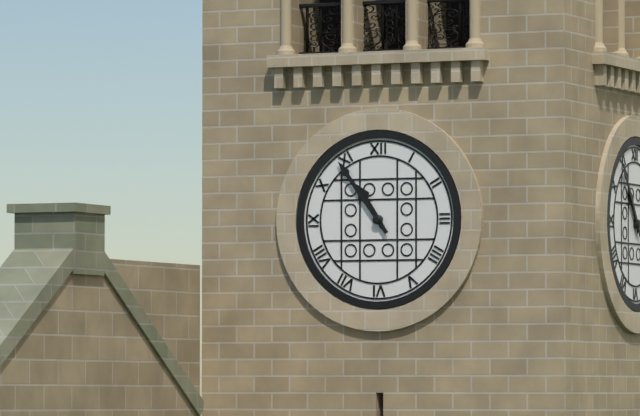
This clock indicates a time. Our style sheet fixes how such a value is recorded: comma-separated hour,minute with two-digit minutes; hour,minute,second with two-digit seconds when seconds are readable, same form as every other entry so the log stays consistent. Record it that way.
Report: 10,54
